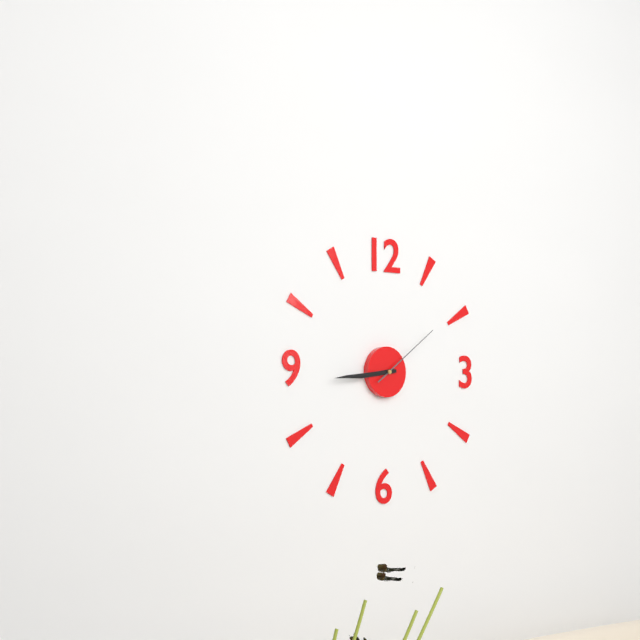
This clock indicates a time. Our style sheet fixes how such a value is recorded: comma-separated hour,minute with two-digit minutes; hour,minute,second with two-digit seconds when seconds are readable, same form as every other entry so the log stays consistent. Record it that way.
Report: 8,44,09
